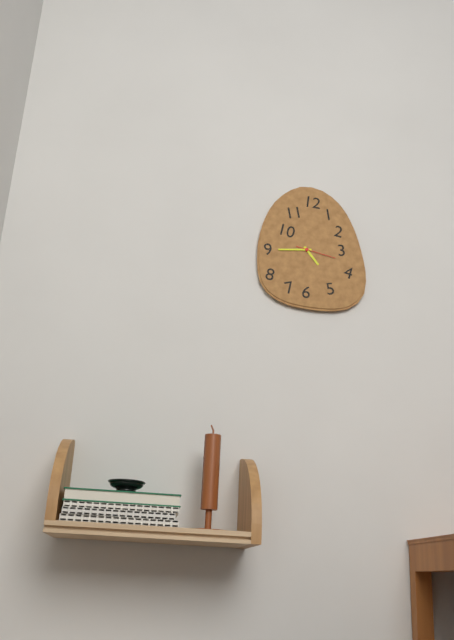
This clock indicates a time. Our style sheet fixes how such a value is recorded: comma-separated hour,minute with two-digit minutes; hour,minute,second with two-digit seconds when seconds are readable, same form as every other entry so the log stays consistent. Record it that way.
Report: 4,44
